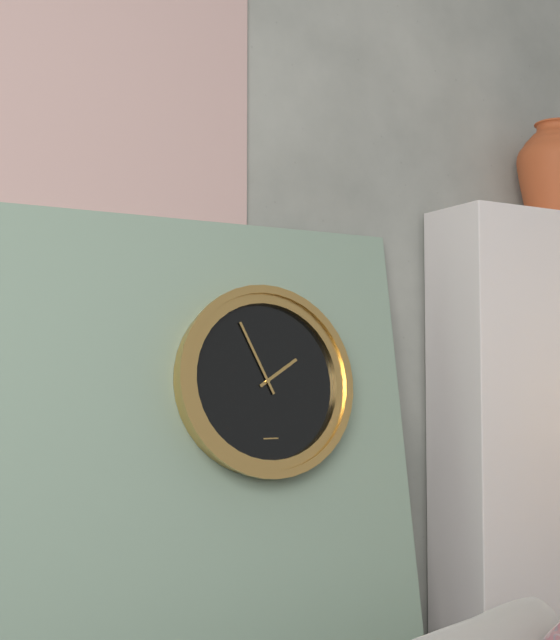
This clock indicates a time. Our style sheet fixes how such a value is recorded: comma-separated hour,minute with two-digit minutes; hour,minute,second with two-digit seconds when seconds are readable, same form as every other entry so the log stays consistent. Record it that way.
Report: 1,56
